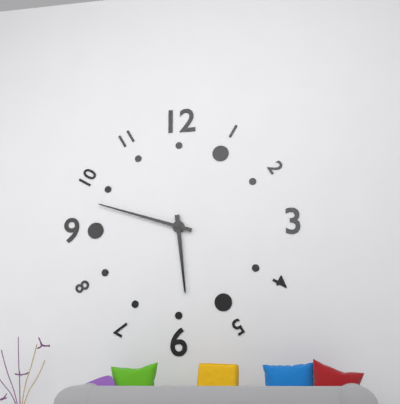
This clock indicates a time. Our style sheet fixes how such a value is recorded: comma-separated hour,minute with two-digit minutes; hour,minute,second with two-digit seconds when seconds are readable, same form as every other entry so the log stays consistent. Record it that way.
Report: 5,48
